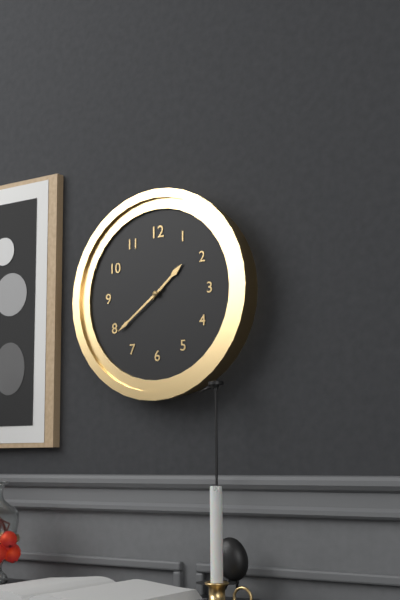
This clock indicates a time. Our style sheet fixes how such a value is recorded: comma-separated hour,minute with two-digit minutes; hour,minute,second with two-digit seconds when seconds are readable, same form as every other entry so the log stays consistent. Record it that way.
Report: 1,39
